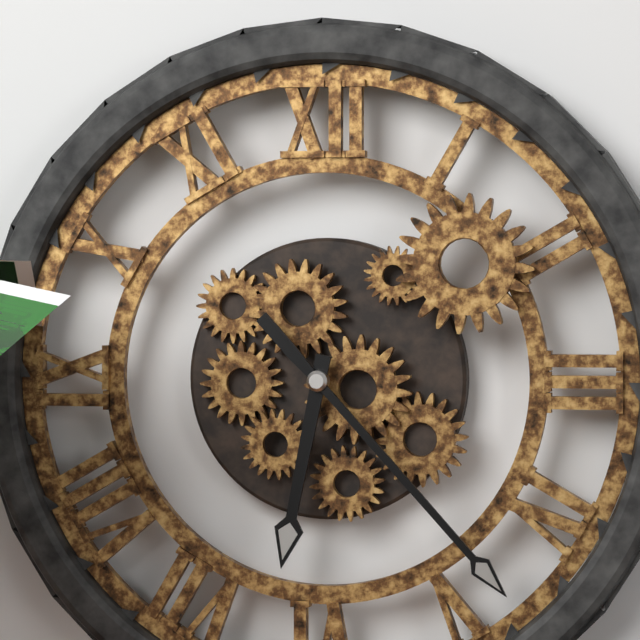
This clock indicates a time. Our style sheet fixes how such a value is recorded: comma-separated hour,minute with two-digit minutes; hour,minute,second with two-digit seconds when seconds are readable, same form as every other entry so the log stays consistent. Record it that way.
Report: 6,23
